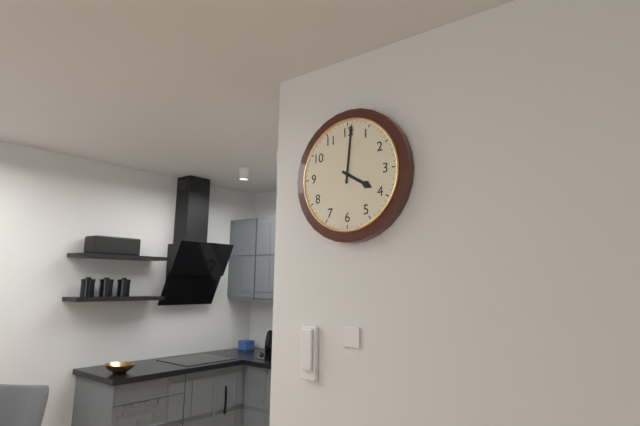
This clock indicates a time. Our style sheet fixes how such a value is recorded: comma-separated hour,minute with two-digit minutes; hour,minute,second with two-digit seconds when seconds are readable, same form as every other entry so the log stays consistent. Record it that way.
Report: 4,01
